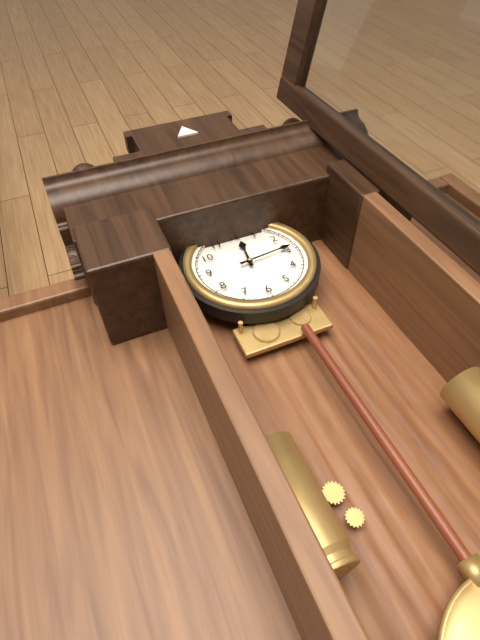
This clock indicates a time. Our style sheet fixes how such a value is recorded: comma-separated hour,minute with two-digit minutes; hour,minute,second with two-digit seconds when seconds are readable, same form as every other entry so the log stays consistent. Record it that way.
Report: 12,14
